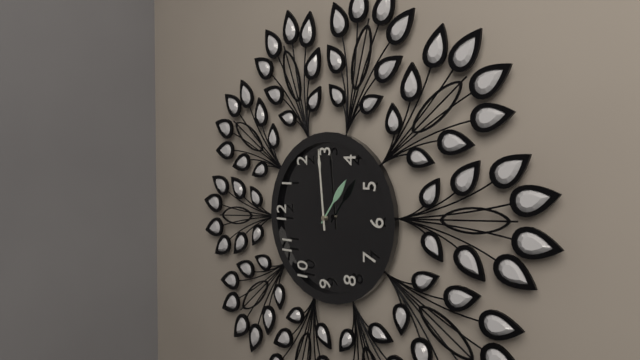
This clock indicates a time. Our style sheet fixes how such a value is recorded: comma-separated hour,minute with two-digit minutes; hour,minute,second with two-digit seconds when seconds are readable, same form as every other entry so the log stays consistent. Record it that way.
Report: 4,14
